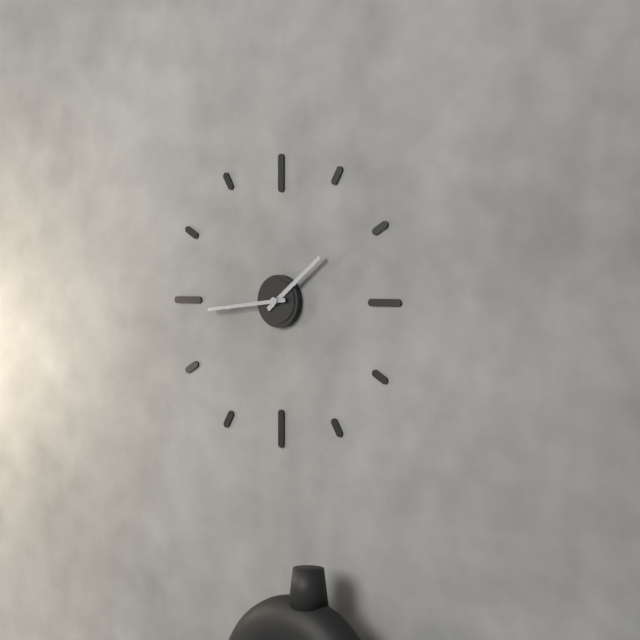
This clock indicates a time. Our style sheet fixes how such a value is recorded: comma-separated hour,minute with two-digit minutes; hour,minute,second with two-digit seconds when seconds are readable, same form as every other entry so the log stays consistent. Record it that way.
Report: 1,44
